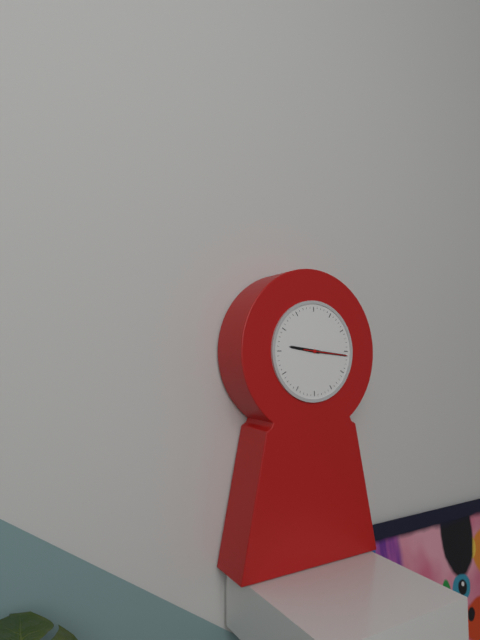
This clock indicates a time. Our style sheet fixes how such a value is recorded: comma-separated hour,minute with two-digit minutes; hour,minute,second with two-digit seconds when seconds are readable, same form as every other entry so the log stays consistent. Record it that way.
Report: 9,16
